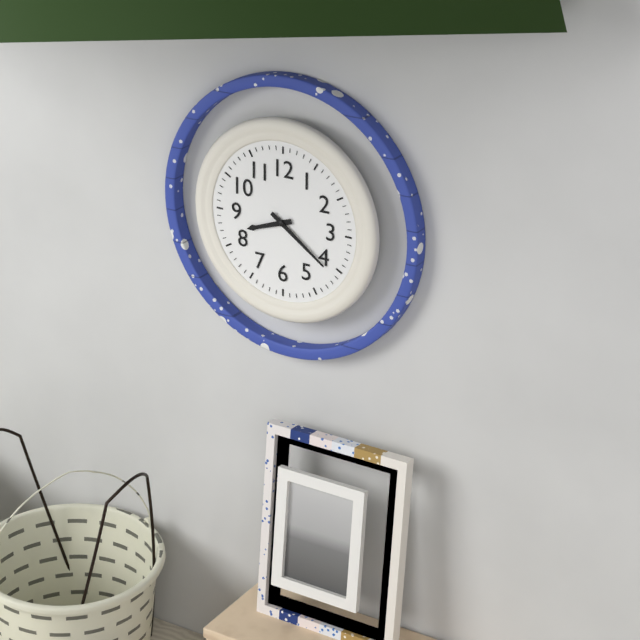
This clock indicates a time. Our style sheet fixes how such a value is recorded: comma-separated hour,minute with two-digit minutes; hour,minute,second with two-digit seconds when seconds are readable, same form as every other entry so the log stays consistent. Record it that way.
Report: 8,21
